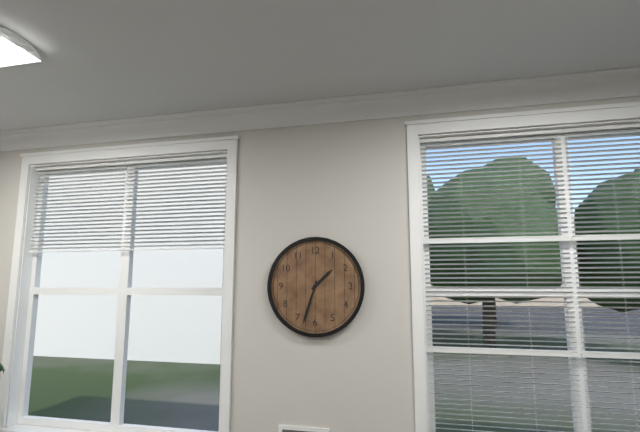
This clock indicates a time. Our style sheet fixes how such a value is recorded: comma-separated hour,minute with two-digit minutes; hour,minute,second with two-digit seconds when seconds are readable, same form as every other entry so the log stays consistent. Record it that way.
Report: 1,33
